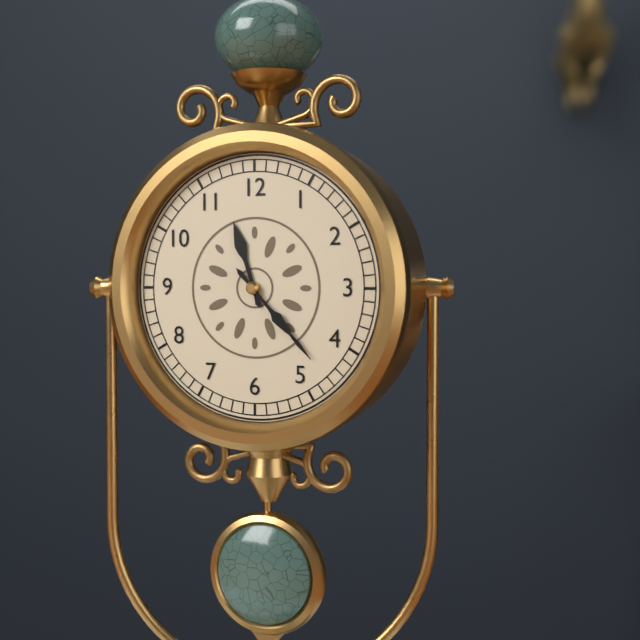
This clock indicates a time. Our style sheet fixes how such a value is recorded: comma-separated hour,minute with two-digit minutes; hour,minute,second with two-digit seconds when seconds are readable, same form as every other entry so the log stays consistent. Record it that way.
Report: 11,23
